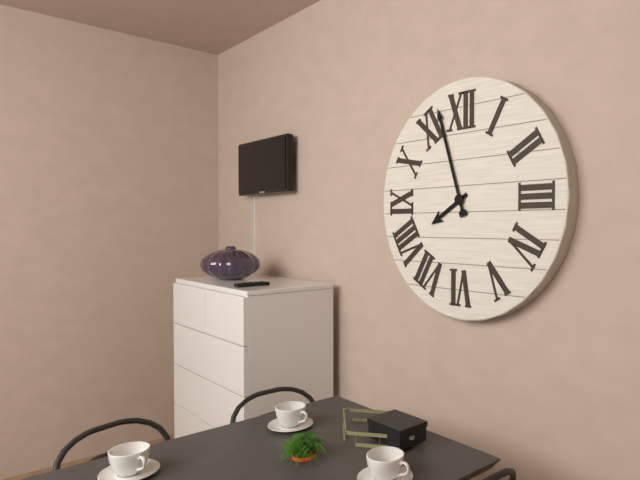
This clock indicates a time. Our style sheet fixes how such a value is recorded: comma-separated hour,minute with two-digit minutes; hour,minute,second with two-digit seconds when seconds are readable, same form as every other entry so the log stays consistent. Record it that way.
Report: 7,57
